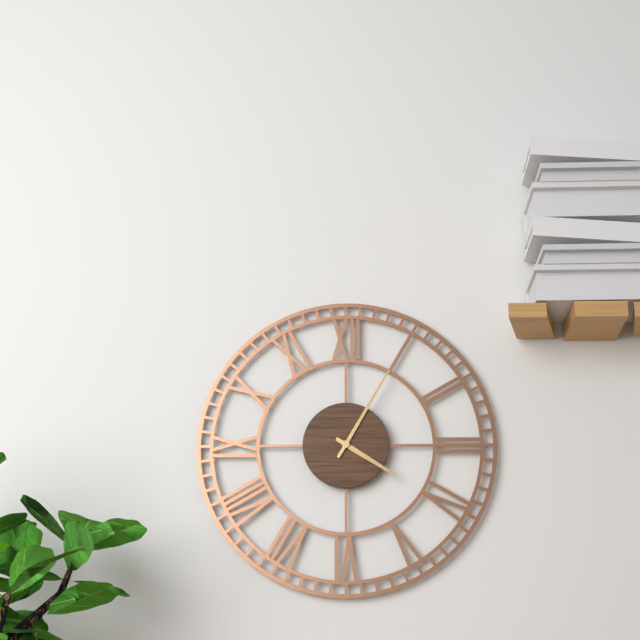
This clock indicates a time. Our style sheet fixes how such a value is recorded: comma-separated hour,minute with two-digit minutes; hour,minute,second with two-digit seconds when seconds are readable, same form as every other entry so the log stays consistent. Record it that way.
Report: 4,05
